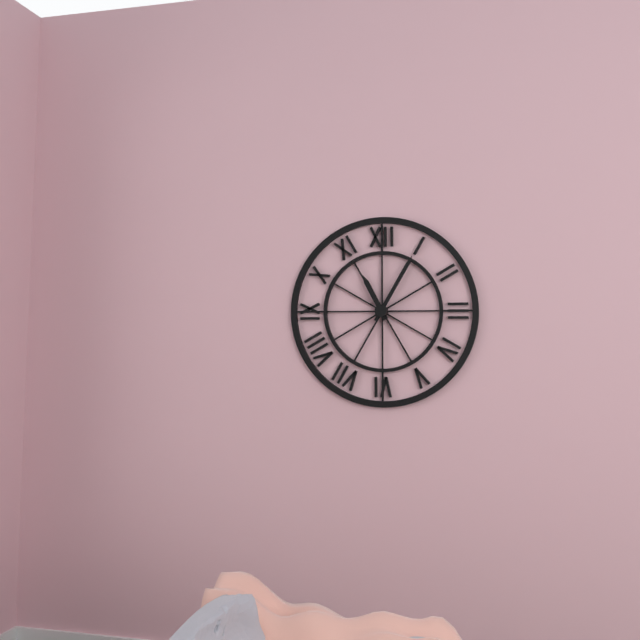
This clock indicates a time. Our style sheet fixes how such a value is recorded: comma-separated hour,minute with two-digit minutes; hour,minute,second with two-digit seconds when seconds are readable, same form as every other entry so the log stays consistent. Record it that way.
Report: 11,05
